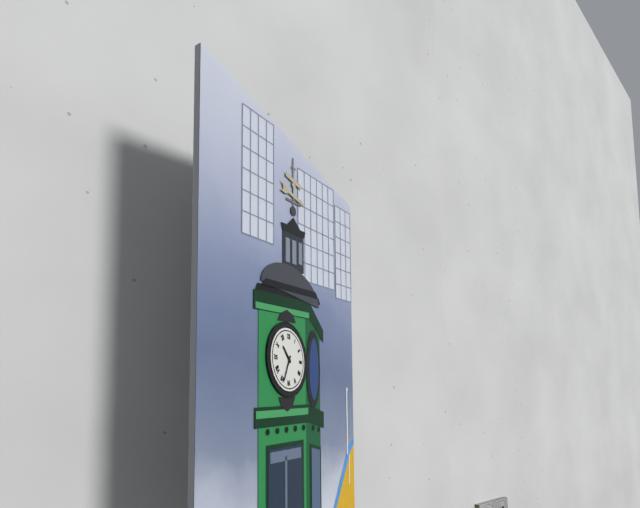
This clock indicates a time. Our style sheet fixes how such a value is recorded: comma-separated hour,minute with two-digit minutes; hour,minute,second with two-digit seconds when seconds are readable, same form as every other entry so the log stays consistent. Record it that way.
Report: 10,34
